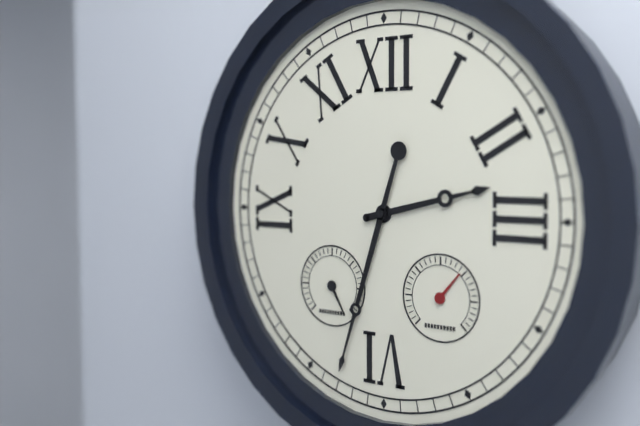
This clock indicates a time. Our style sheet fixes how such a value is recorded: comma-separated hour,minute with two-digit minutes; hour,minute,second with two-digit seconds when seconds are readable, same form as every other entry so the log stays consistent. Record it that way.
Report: 2,33
